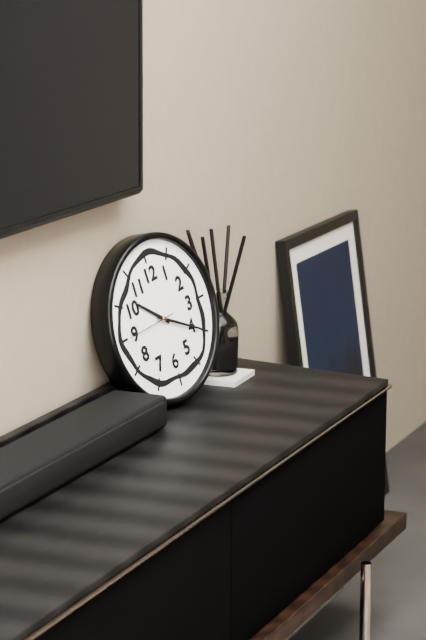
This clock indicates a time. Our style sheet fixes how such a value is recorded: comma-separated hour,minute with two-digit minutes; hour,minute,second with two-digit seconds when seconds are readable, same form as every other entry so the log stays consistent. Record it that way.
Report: 10,20
